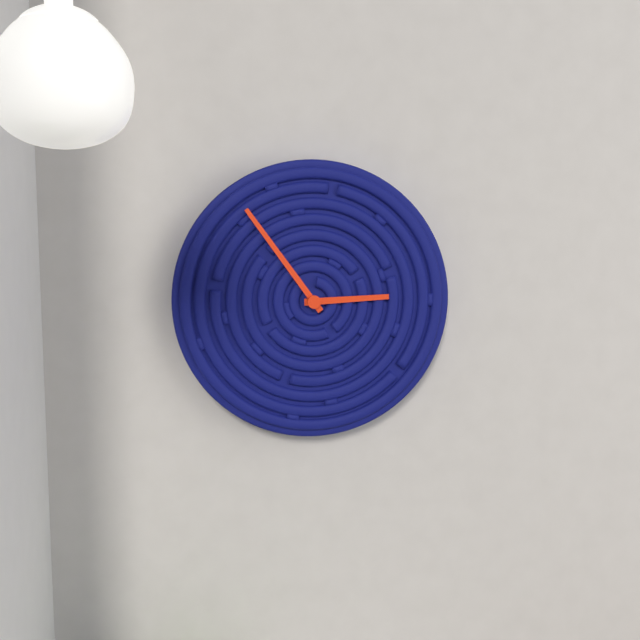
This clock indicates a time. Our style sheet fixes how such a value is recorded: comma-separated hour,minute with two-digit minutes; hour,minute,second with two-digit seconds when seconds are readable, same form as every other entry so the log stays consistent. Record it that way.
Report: 2,54
